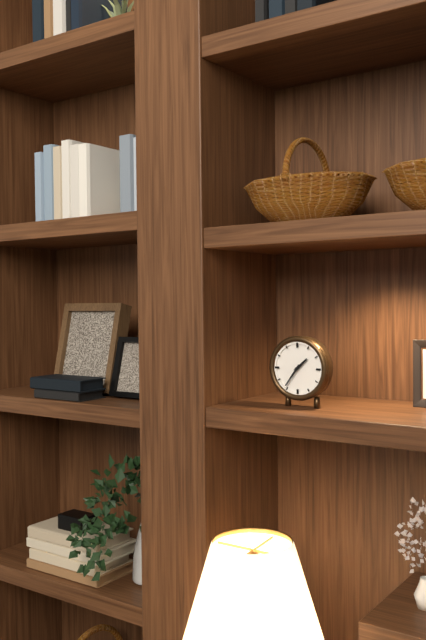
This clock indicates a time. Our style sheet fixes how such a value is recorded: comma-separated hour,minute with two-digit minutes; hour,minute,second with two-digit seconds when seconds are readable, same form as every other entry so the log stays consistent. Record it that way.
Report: 1,36
